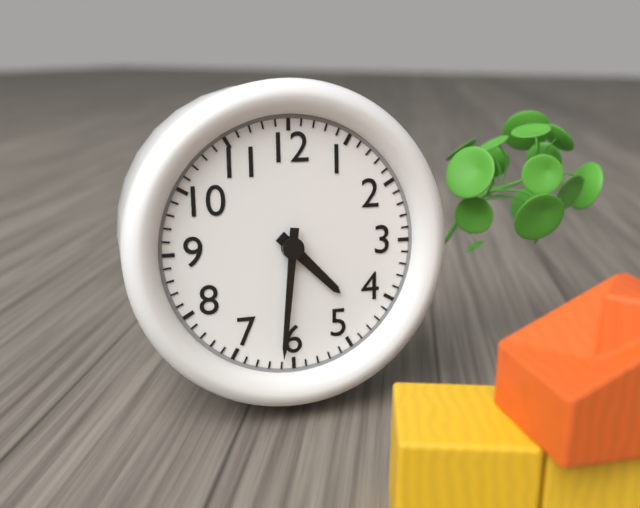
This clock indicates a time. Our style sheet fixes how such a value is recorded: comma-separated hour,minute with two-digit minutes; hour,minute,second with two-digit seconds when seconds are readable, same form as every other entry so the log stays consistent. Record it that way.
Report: 4,31
